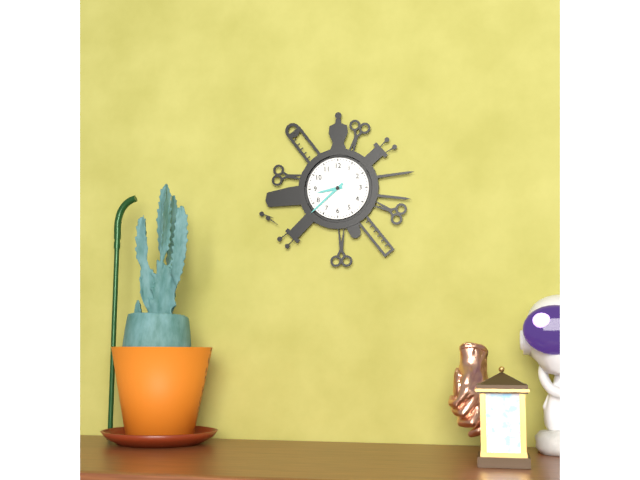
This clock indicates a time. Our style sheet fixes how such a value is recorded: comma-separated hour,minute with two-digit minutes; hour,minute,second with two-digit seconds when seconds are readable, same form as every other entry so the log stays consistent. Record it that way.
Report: 8,38
